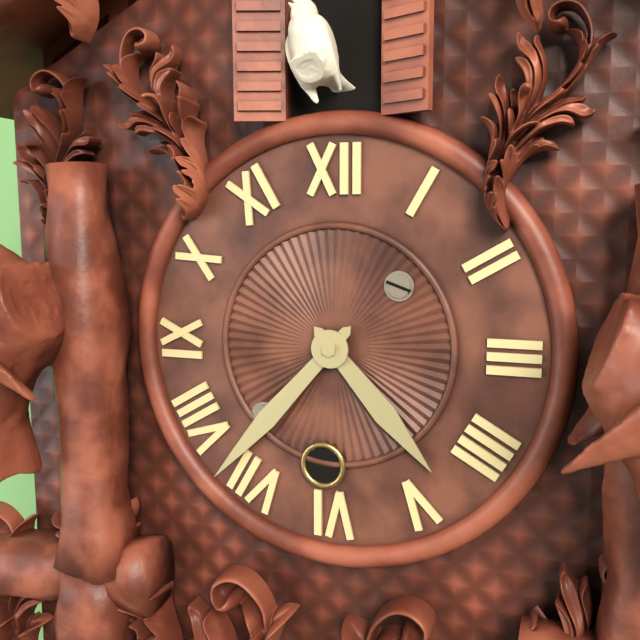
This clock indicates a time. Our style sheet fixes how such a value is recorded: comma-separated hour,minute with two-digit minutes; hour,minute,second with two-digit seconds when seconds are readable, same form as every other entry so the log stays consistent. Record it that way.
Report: 4,37
